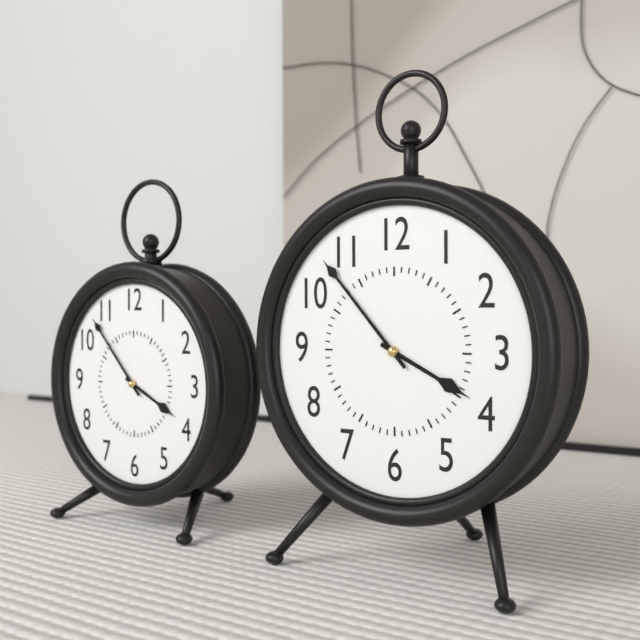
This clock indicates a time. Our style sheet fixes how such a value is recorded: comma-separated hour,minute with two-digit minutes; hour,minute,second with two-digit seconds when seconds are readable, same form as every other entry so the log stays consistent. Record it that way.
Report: 3,53
